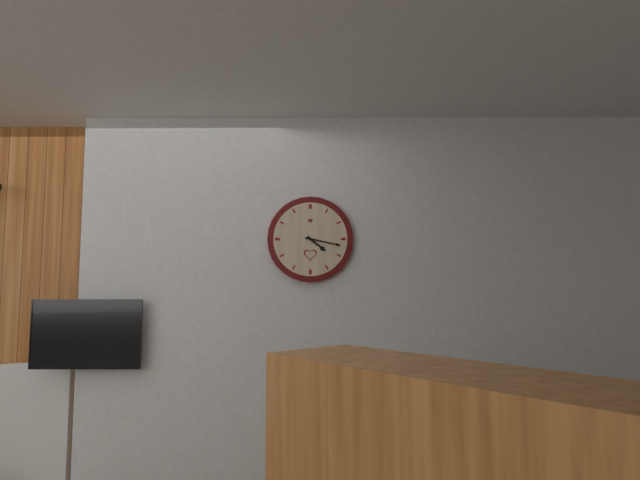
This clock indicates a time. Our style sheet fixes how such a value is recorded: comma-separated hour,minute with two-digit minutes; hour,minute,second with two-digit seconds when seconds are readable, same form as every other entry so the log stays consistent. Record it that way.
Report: 4,17
